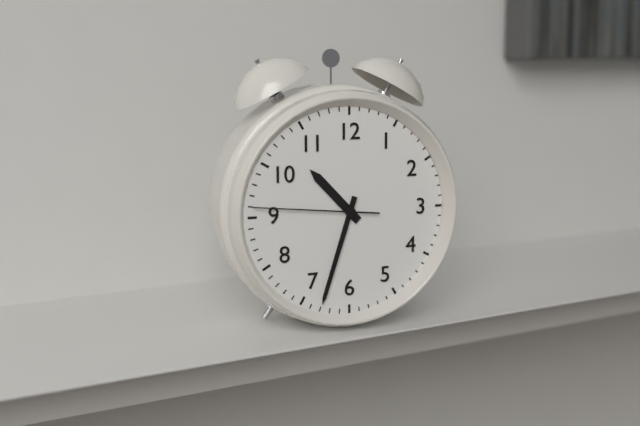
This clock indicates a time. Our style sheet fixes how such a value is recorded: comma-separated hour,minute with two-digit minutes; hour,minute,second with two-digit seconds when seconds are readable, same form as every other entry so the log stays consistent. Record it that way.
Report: 10,33,46
